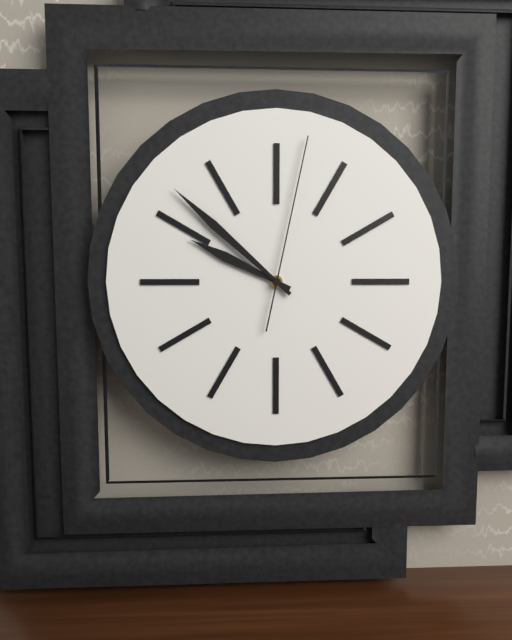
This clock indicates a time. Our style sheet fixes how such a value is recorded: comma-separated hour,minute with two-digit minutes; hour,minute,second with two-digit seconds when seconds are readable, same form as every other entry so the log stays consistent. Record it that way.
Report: 9,52,02
